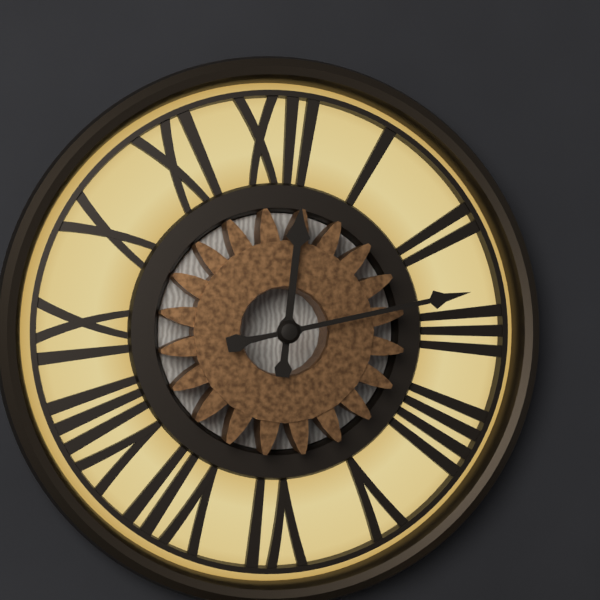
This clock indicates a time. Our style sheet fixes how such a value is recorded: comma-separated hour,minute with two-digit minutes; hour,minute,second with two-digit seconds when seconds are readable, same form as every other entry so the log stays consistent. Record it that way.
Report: 12,13
